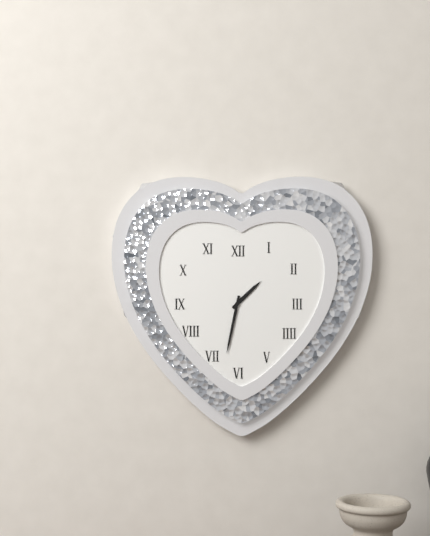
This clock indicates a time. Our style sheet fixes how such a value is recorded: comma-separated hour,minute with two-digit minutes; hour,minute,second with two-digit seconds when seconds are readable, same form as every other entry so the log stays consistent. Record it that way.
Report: 1,32
